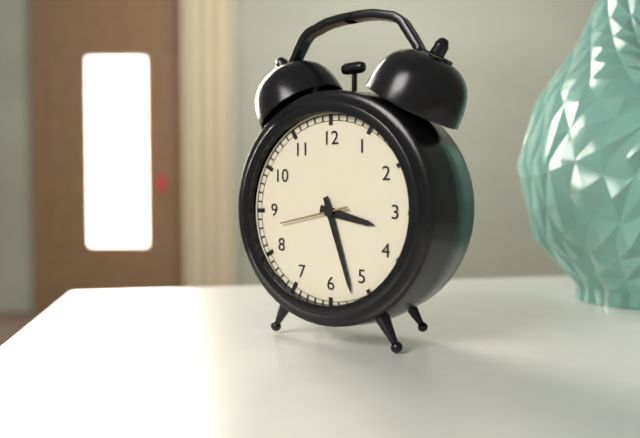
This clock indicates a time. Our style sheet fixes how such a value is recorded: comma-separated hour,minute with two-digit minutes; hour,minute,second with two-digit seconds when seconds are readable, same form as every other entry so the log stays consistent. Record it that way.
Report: 3,27,43
